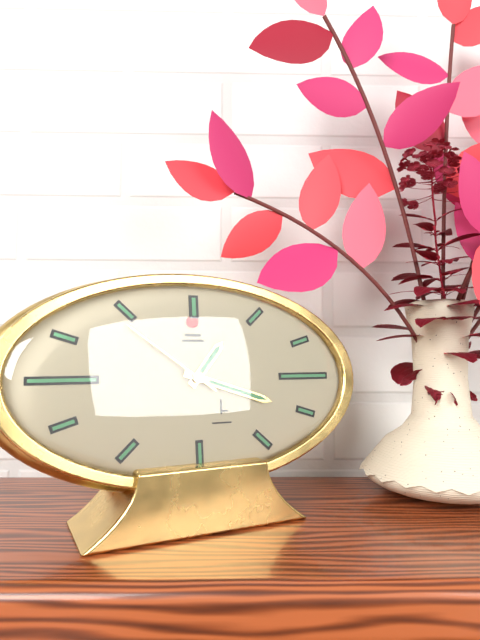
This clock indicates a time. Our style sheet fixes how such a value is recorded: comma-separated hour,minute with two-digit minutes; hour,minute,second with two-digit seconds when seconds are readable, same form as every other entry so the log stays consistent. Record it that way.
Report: 1,18,51
